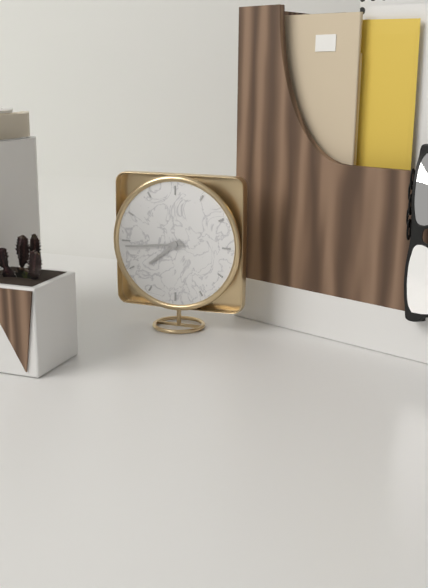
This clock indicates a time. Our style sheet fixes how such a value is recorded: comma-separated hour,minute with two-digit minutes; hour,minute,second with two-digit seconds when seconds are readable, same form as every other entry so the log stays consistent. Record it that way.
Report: 7,44
